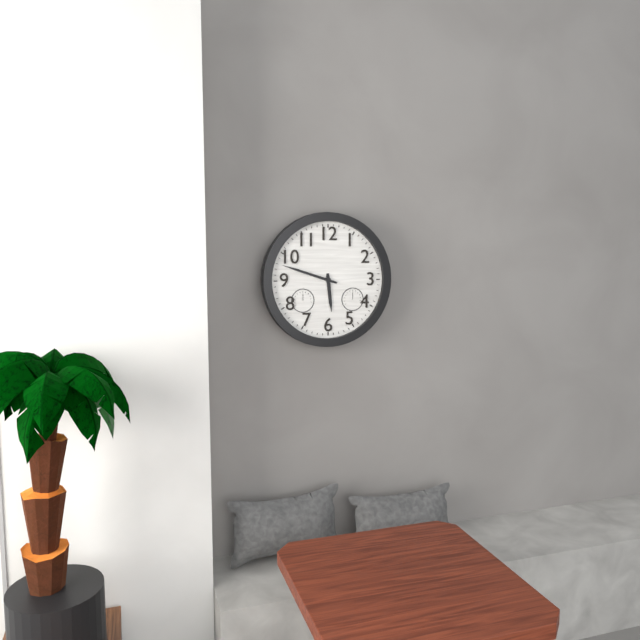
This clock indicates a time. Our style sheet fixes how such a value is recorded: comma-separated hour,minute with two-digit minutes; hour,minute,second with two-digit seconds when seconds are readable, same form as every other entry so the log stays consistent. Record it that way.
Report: 5,48
